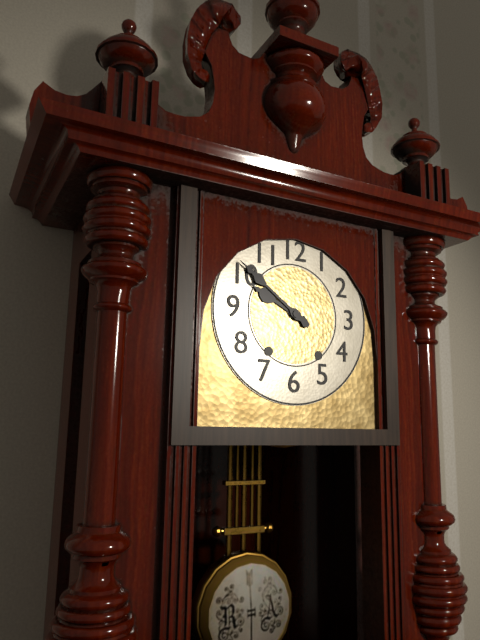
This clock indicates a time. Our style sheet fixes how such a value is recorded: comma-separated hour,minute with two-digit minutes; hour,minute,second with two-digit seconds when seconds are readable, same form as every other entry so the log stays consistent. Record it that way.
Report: 9,51
